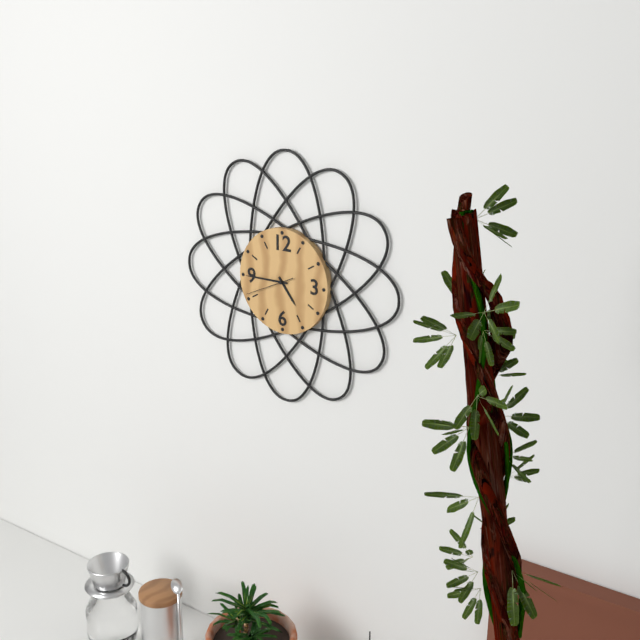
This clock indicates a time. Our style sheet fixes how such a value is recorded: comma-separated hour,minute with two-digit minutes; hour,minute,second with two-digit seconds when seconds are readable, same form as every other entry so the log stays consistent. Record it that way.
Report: 4,45,41
